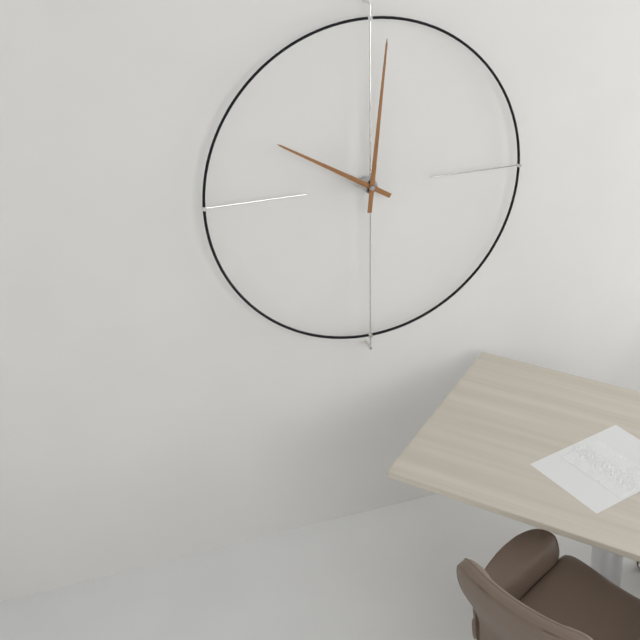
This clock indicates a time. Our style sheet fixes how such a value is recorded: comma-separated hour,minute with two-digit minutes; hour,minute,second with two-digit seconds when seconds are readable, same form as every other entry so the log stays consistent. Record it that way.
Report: 10,01
